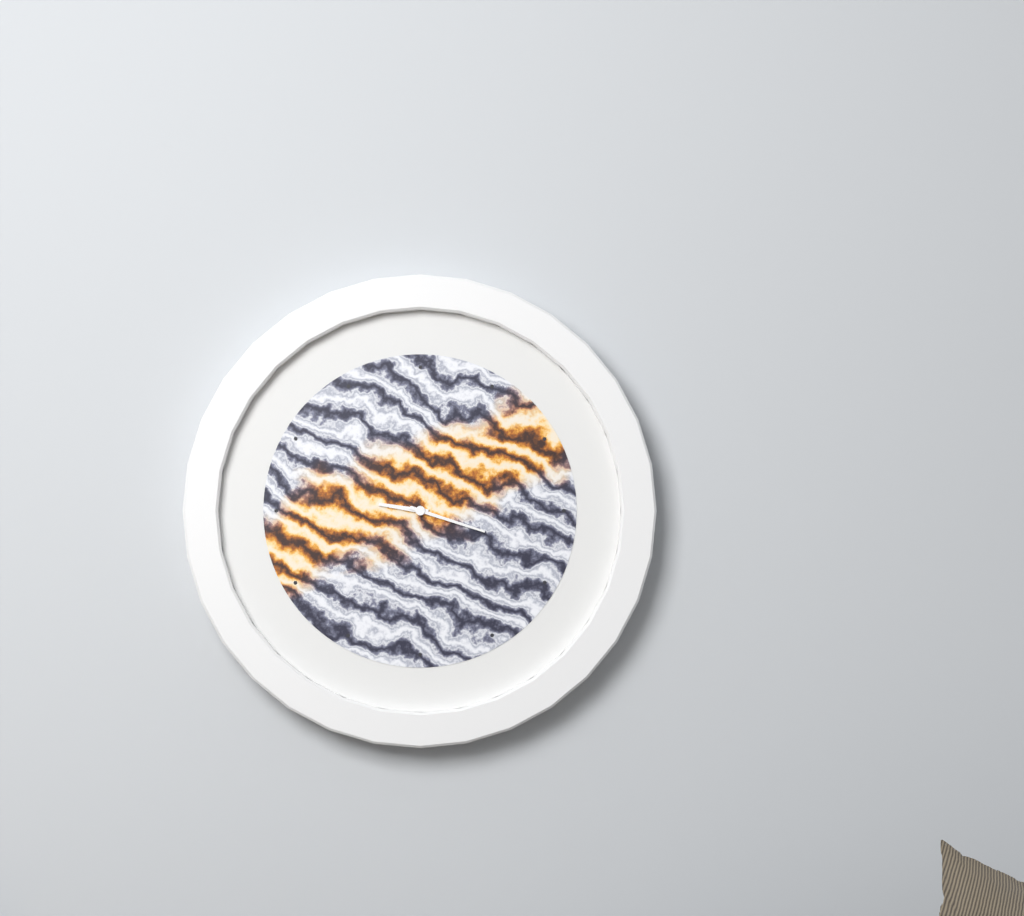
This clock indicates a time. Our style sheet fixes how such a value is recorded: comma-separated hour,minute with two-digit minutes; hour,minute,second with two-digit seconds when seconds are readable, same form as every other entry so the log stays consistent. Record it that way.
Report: 9,18
